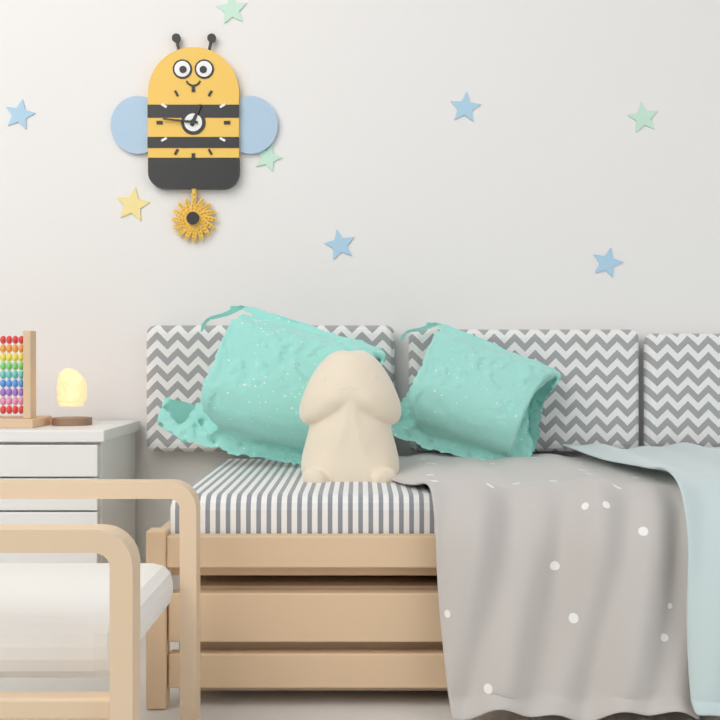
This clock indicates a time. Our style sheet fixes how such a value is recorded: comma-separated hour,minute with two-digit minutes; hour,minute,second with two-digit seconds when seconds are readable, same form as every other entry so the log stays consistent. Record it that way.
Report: 12,46
